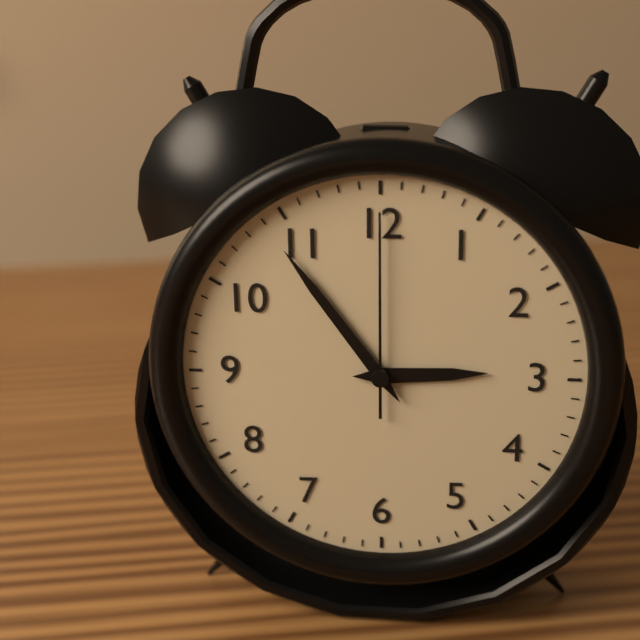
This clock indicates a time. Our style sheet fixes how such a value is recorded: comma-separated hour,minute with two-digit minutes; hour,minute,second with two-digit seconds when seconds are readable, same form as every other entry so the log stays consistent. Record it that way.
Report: 2,54,00
